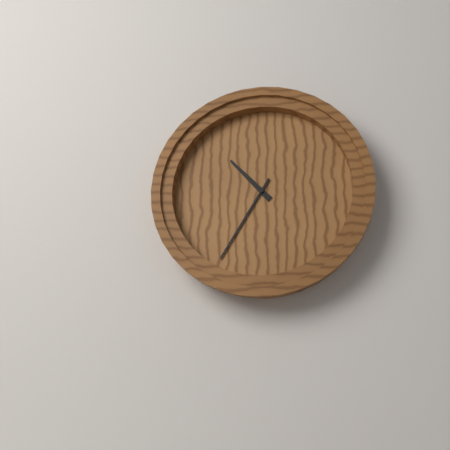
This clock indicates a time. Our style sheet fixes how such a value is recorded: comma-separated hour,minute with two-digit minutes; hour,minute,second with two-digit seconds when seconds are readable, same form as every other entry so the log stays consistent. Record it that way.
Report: 10,35
